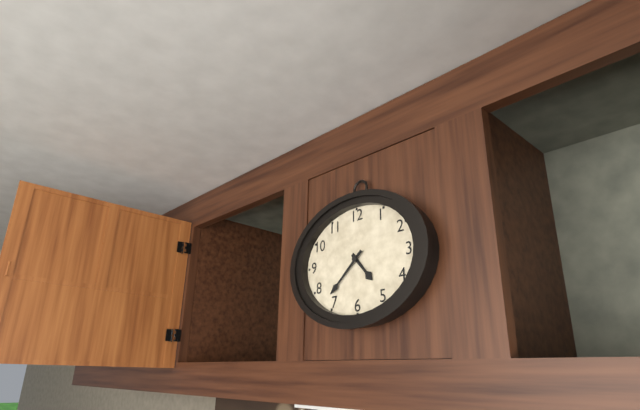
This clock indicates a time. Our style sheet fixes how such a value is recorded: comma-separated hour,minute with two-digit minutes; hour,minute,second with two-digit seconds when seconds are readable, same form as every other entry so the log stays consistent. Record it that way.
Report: 4,38
